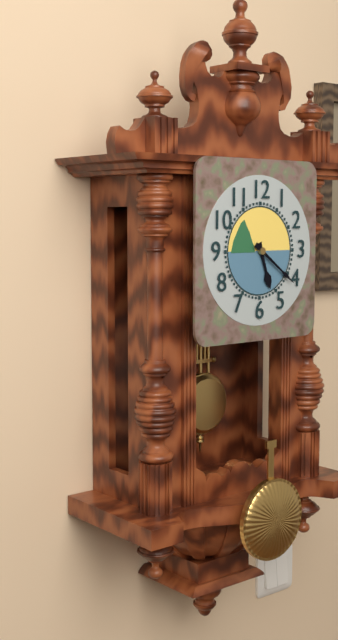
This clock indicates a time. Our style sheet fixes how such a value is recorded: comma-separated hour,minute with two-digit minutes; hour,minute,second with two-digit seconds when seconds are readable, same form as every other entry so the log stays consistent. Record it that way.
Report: 5,21
